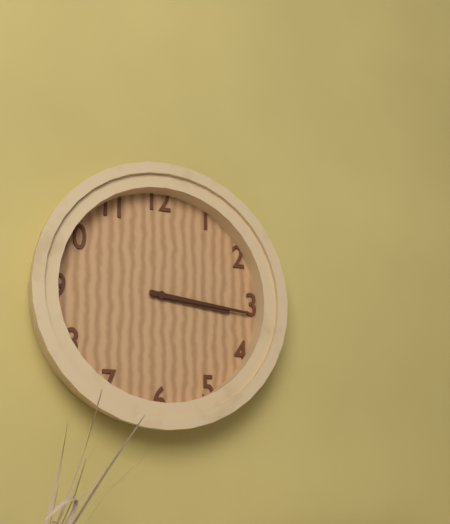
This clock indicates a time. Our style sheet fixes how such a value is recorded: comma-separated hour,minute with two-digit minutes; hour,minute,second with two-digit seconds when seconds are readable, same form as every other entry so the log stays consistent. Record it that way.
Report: 3,16
